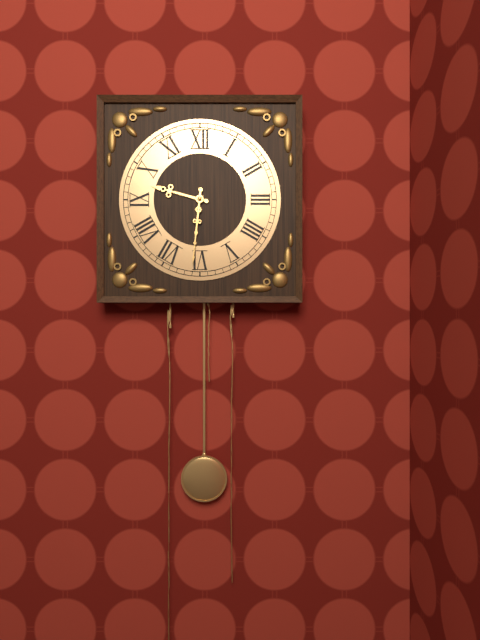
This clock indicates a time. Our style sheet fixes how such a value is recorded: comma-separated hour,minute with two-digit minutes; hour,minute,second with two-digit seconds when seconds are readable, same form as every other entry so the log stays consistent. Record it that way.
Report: 9,31
